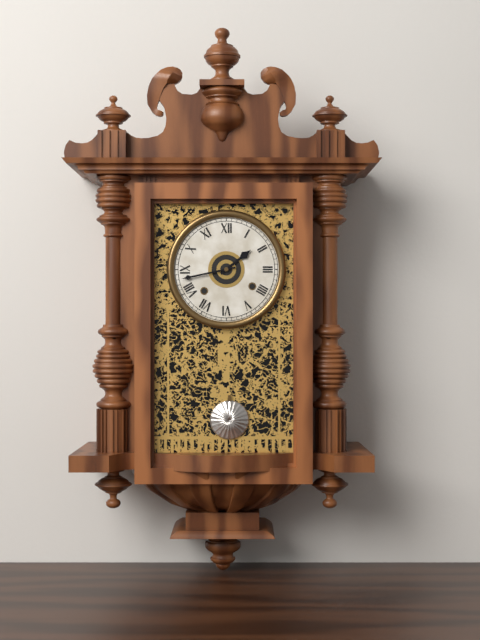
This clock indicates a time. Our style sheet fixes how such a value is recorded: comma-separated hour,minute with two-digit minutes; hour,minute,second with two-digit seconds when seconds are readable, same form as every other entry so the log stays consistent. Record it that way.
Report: 1,43
